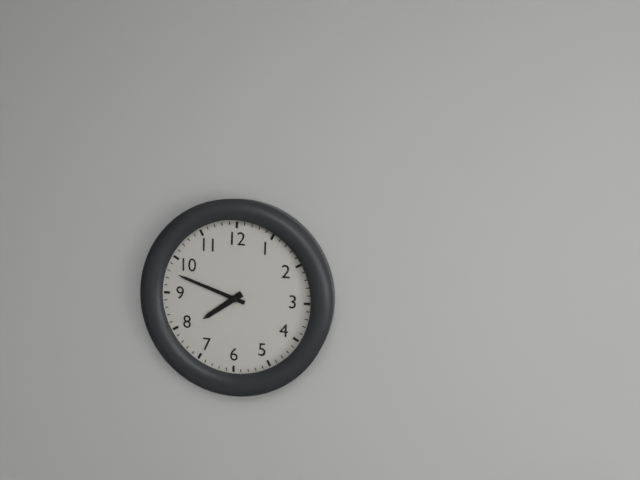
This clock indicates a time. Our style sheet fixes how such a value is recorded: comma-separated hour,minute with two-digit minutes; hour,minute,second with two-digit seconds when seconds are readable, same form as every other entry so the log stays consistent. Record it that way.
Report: 7,48
